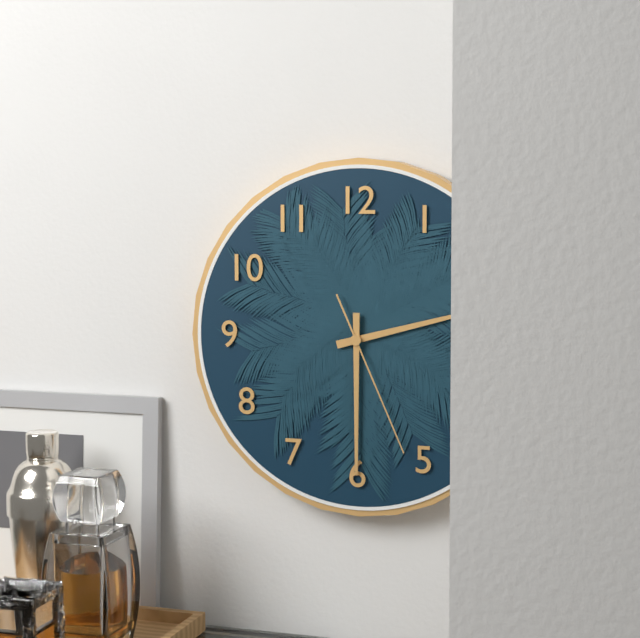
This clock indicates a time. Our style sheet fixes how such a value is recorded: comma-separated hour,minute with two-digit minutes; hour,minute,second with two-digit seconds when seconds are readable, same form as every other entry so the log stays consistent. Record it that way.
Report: 2,30,26
